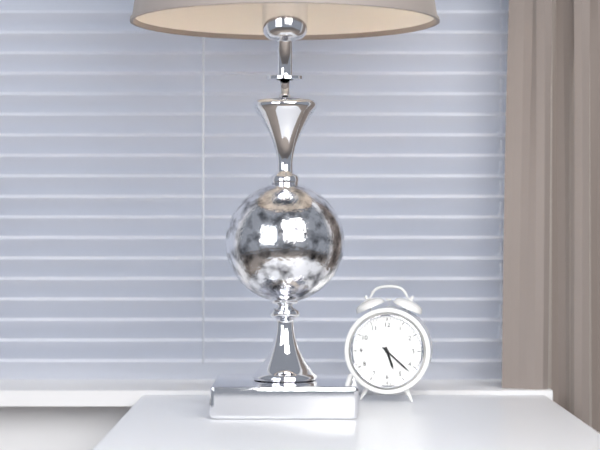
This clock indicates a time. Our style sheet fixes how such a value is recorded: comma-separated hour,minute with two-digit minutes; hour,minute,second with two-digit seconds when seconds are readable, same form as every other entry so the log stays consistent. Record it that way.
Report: 5,22
